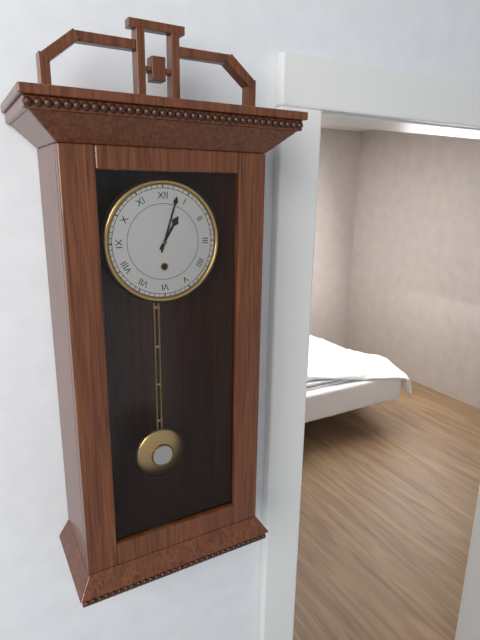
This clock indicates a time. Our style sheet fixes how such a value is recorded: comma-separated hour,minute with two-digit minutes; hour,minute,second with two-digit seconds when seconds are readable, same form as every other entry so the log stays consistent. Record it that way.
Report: 1,03
